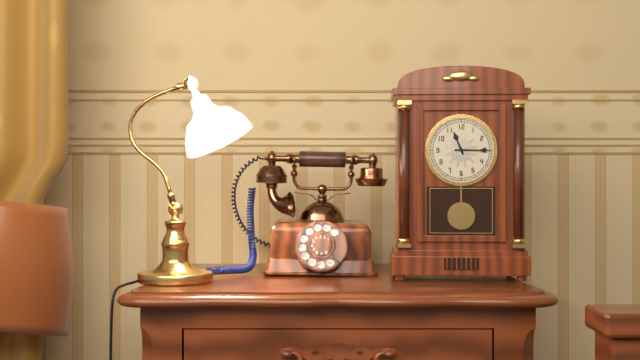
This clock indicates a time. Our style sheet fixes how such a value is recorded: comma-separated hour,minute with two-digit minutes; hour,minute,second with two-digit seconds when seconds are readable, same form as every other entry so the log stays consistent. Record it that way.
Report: 11,15
